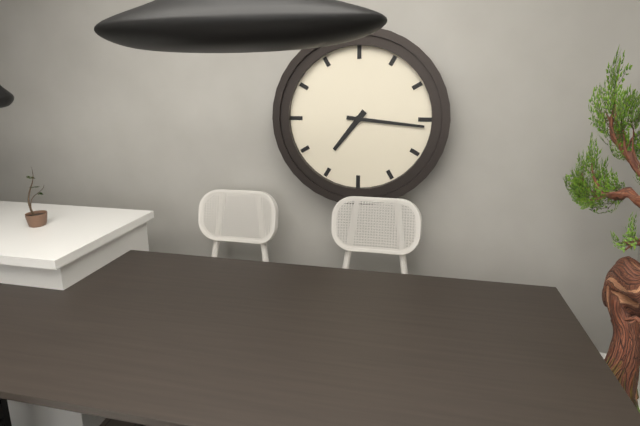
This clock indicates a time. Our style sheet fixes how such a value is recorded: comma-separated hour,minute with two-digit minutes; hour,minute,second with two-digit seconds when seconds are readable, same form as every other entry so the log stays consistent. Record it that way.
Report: 7,16
